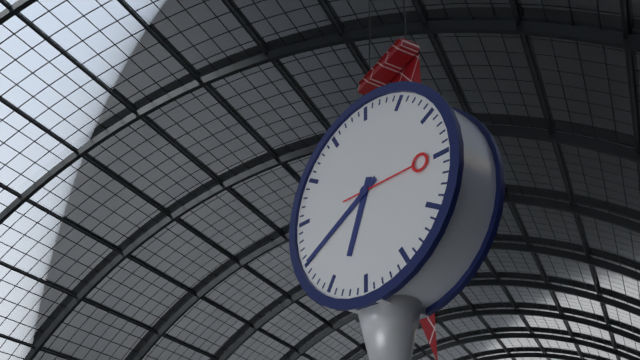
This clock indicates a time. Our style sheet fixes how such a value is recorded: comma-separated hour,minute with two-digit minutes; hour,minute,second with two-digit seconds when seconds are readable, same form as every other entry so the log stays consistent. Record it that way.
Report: 6,40,15
